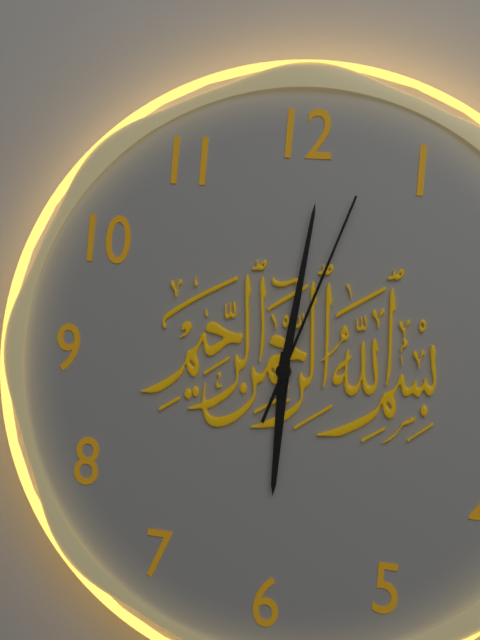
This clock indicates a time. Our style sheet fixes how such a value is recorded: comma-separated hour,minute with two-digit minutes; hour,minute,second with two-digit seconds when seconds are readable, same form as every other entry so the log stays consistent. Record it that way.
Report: 6,01,03
